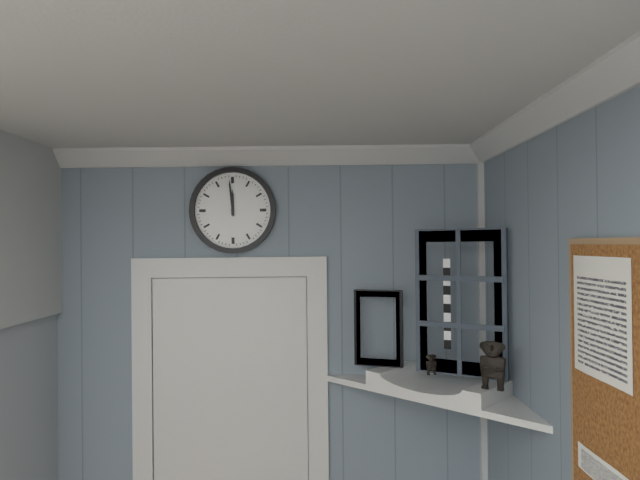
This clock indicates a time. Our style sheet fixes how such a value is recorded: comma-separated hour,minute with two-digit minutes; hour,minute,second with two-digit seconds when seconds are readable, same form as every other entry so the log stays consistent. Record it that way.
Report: 11,59
